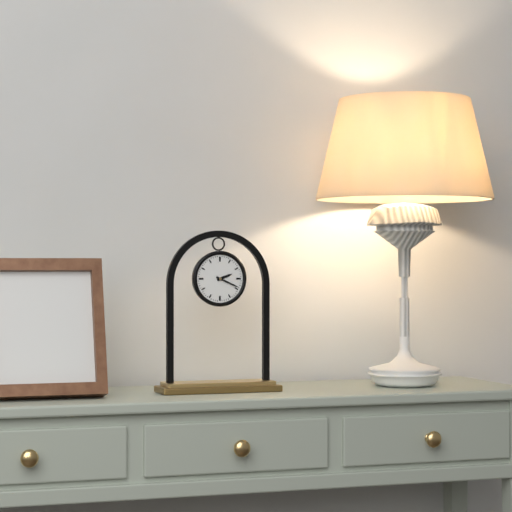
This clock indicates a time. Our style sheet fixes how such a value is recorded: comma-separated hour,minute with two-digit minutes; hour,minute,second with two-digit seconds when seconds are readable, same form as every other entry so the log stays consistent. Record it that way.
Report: 2,19
